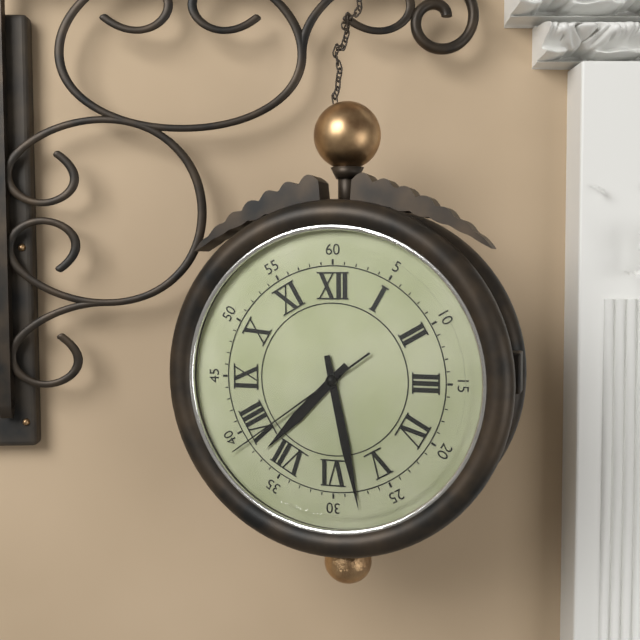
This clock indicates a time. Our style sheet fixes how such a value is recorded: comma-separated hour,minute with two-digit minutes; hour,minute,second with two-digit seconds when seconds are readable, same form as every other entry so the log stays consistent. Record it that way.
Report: 7,28,39
